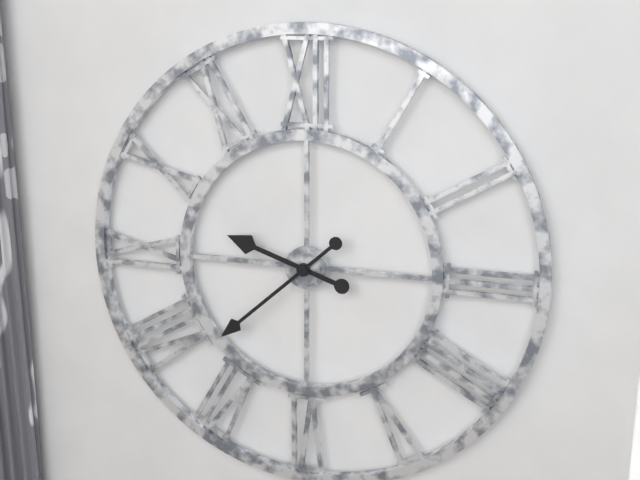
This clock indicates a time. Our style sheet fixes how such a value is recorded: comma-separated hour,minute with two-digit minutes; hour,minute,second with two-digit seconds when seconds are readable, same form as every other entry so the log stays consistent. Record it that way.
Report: 9,38
